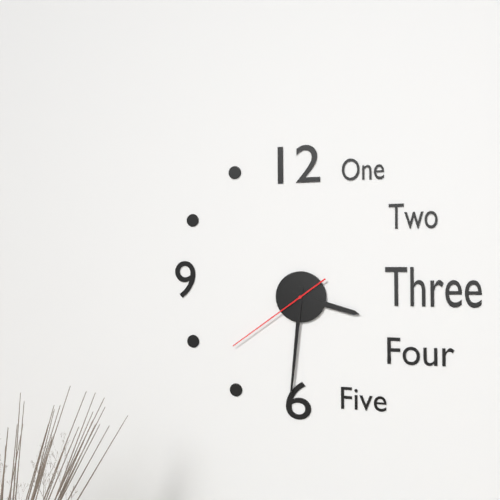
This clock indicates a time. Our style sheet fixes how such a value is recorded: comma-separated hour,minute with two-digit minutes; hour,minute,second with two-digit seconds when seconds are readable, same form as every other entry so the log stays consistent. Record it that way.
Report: 3,31,39
